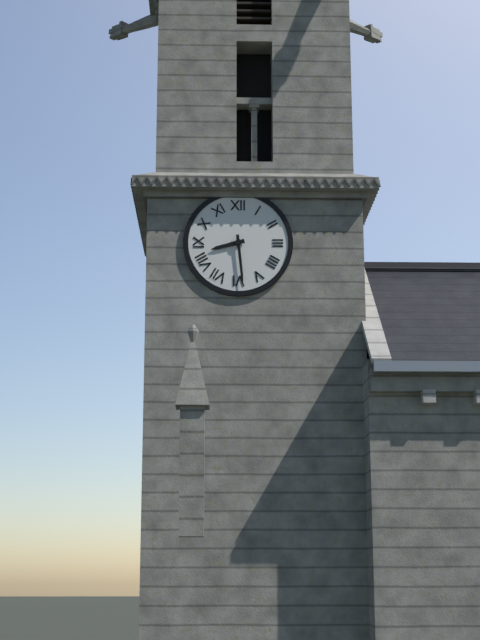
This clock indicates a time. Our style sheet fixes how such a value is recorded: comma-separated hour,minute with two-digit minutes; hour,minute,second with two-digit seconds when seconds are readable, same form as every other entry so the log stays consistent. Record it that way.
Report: 8,29
